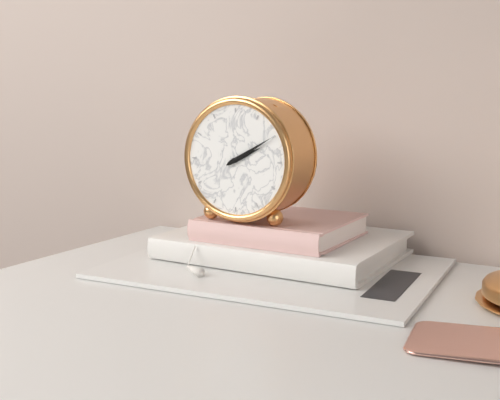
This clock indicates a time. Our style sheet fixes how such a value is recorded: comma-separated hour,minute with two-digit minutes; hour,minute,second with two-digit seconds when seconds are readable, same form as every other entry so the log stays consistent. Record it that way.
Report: 2,10
